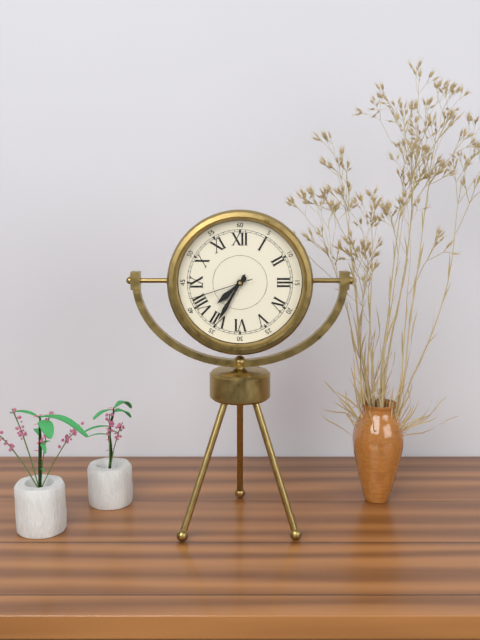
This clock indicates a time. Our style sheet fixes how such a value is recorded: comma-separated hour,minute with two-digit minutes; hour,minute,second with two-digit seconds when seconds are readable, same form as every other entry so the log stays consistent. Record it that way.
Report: 7,35,42
